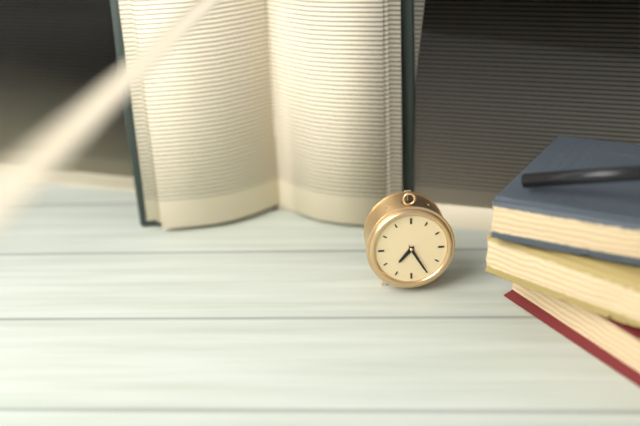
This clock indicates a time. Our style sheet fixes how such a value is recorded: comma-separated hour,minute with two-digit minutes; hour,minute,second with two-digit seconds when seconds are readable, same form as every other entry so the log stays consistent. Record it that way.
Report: 7,25
